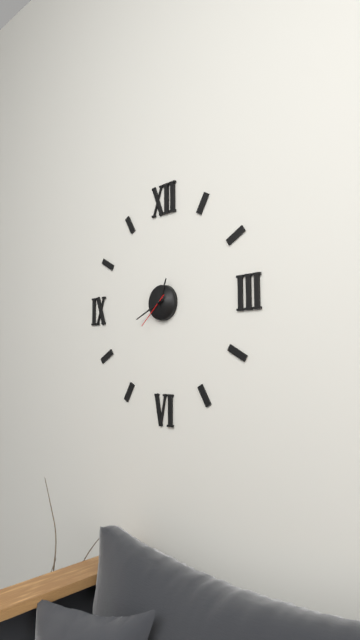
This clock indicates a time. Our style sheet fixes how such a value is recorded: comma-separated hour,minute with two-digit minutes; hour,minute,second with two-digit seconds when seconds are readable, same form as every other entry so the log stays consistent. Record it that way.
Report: 12,41
